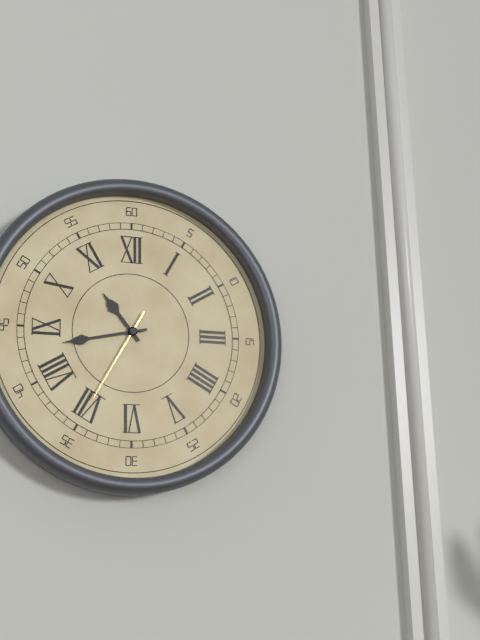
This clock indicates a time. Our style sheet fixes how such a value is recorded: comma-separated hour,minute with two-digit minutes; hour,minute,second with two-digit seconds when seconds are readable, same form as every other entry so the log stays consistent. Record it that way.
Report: 10,43,35
